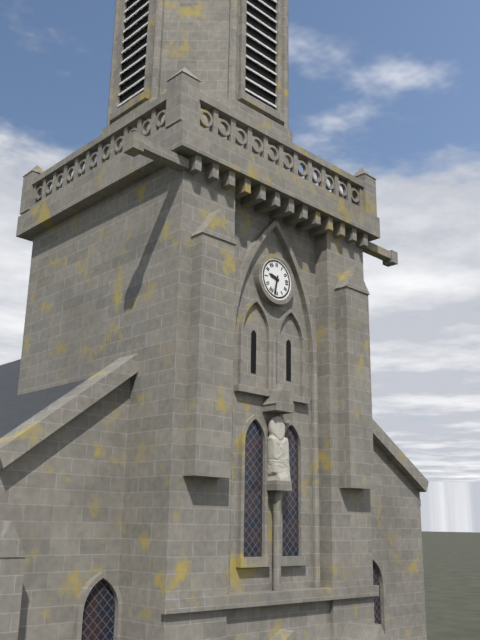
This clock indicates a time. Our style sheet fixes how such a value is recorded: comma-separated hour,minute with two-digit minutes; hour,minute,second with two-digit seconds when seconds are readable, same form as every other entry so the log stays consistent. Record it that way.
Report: 9,32
